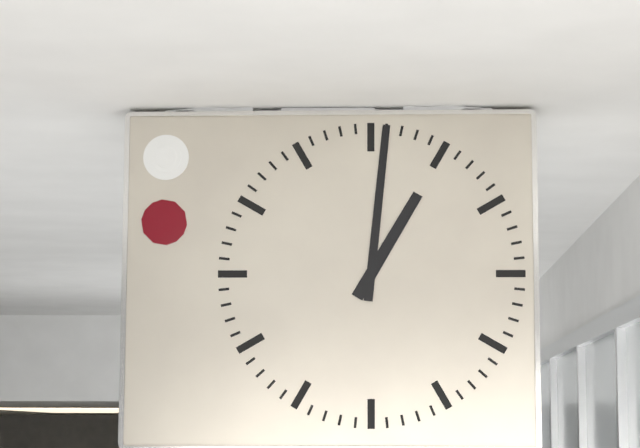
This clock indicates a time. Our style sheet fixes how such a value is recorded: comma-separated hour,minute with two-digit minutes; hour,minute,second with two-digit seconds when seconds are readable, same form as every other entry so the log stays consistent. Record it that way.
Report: 1,01
